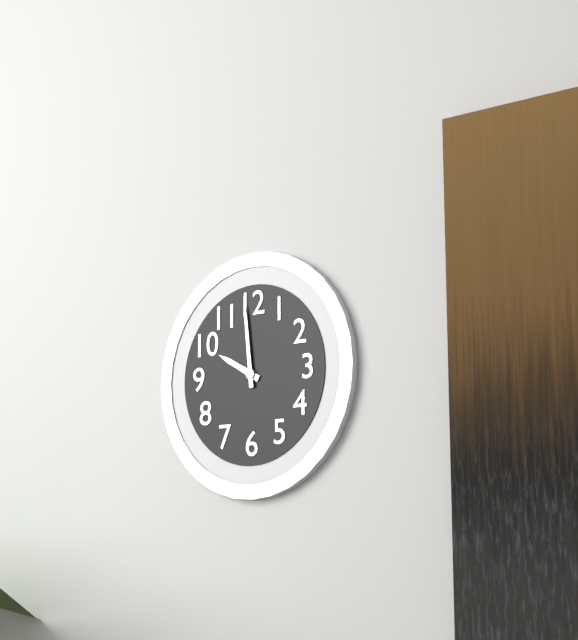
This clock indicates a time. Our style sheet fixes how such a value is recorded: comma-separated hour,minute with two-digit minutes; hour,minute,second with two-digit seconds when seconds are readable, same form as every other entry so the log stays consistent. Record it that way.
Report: 9,59
